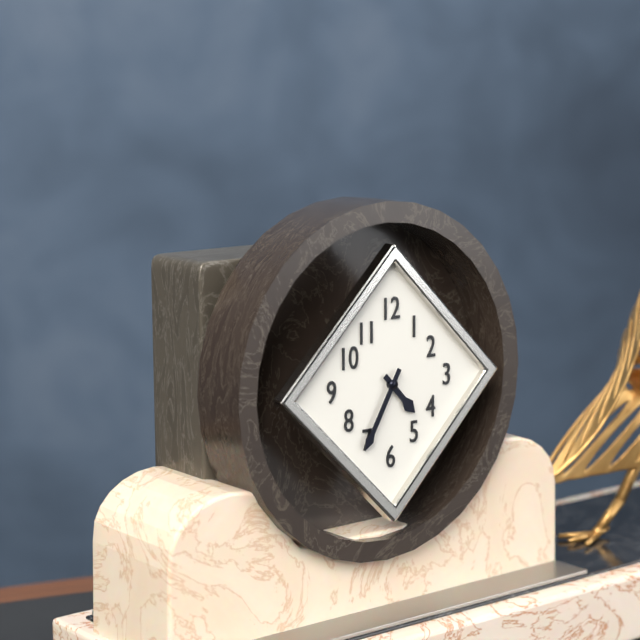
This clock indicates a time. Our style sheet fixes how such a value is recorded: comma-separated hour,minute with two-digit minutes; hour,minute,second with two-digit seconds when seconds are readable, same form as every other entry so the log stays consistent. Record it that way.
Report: 4,35
